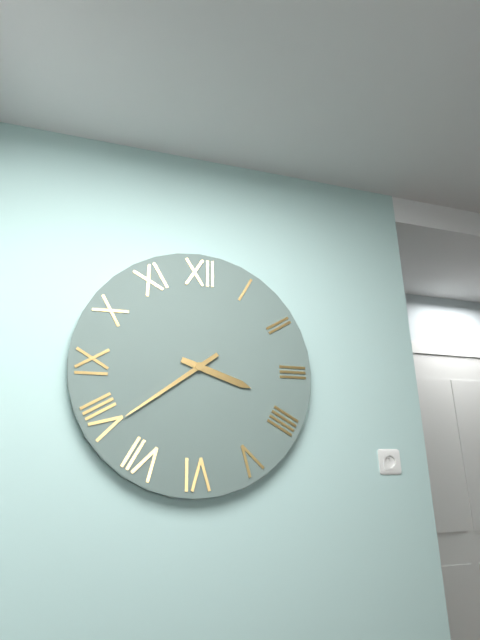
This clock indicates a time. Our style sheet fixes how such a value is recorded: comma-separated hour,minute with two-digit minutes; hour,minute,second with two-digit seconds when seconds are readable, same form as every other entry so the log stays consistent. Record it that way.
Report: 3,39
